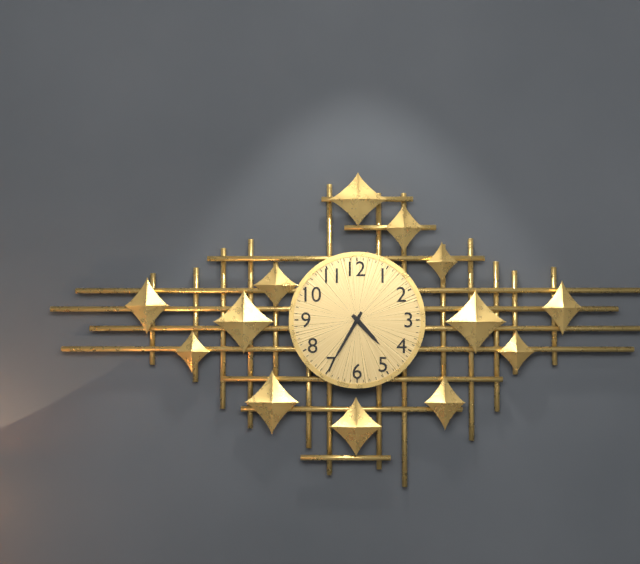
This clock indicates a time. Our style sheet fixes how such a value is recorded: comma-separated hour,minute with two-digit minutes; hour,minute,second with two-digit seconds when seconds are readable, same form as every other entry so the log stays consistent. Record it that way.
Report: 4,35
